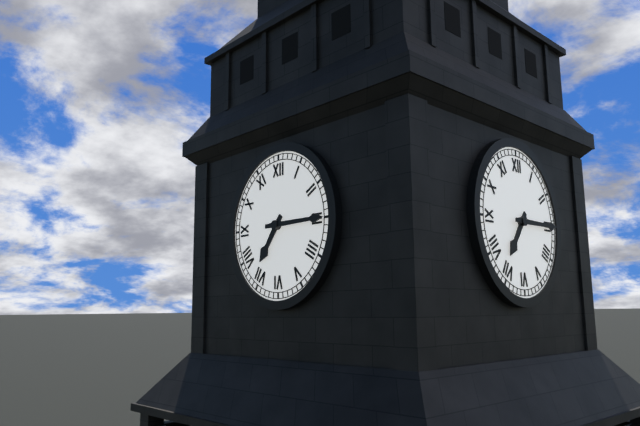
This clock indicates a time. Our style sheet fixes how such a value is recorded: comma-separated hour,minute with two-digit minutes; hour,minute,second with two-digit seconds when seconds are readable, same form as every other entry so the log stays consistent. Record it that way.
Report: 7,15
